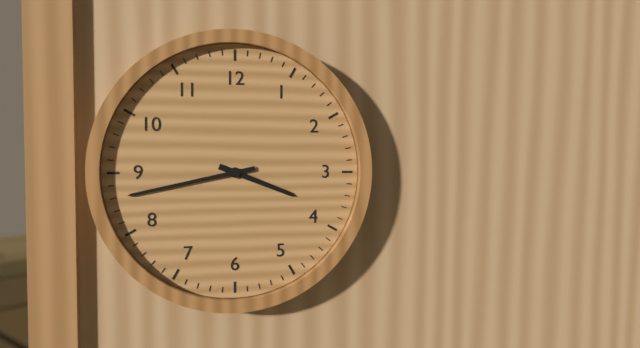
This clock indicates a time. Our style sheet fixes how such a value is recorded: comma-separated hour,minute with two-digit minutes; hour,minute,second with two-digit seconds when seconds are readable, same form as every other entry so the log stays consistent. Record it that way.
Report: 3,43
